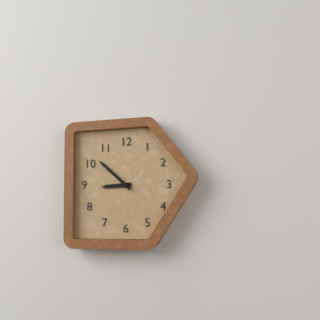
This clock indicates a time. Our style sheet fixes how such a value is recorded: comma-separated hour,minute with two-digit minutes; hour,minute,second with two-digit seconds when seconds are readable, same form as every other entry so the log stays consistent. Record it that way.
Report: 8,52
